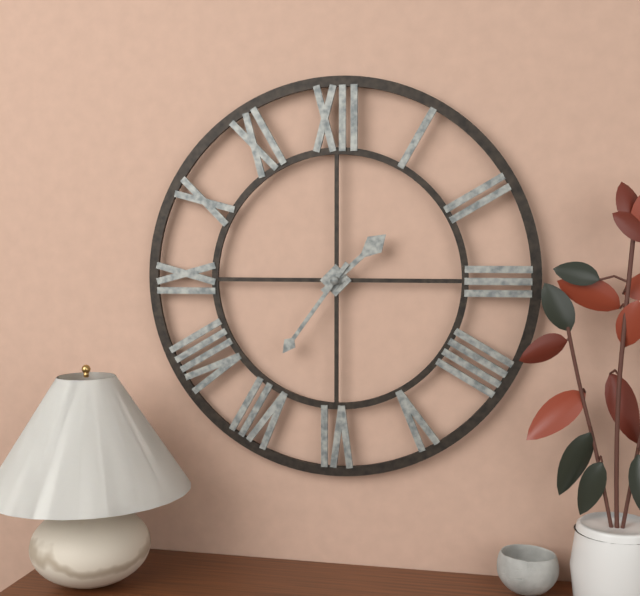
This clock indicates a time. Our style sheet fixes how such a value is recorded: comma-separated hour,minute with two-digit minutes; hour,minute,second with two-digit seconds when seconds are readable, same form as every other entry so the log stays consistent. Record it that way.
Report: 1,36
